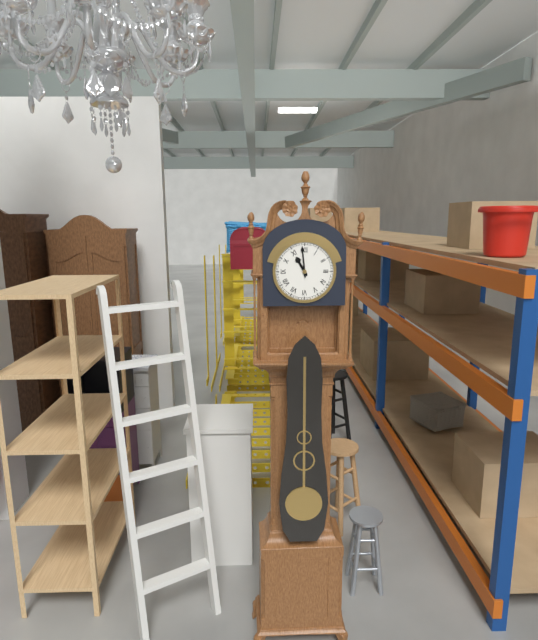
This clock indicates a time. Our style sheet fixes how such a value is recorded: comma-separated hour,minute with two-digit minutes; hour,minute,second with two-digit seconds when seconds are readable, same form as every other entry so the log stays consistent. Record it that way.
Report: 10,59
